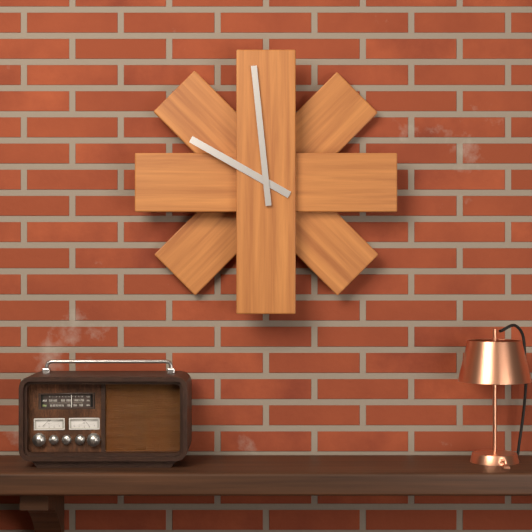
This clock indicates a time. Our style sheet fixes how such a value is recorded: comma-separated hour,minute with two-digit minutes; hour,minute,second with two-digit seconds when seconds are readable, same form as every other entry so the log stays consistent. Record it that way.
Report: 9,59
